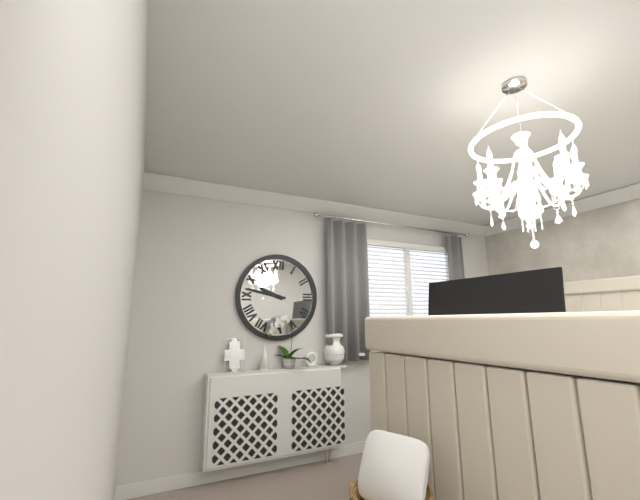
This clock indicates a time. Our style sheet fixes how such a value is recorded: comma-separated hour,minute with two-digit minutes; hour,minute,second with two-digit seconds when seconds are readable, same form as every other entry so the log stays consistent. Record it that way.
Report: 9,47
